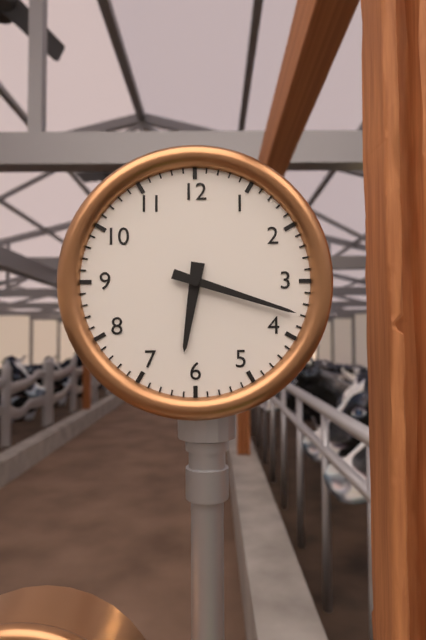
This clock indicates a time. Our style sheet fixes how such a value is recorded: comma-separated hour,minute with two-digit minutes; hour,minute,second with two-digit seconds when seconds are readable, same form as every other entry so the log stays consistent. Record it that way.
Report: 6,18
